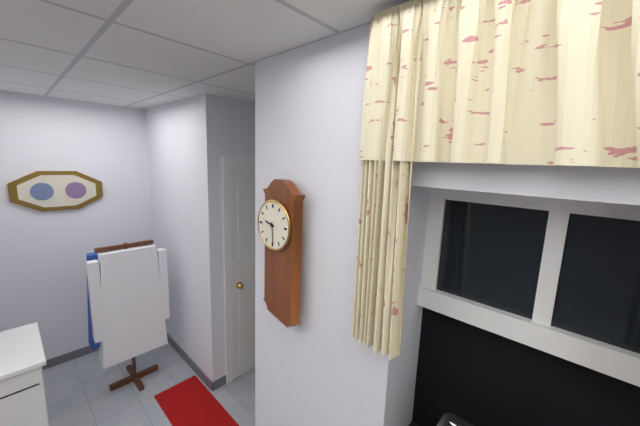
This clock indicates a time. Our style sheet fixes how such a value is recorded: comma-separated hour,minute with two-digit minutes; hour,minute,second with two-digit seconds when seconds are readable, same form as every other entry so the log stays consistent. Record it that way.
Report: 9,29
